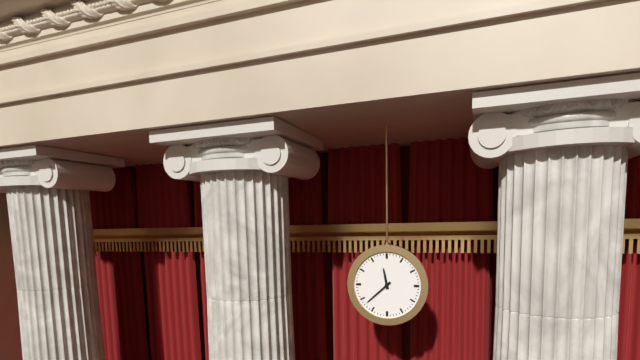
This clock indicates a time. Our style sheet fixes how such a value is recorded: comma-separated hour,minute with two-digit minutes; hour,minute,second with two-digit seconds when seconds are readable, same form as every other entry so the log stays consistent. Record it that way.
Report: 11,38
